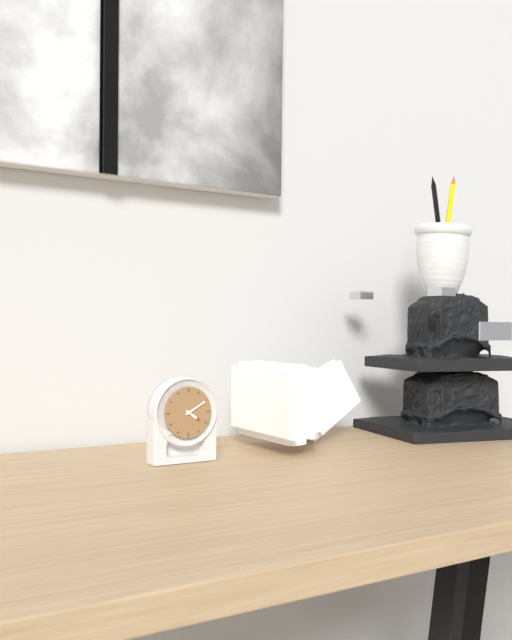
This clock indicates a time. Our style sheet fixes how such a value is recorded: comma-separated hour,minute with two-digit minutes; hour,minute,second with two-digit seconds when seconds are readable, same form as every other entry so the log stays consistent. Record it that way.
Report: 4,10
